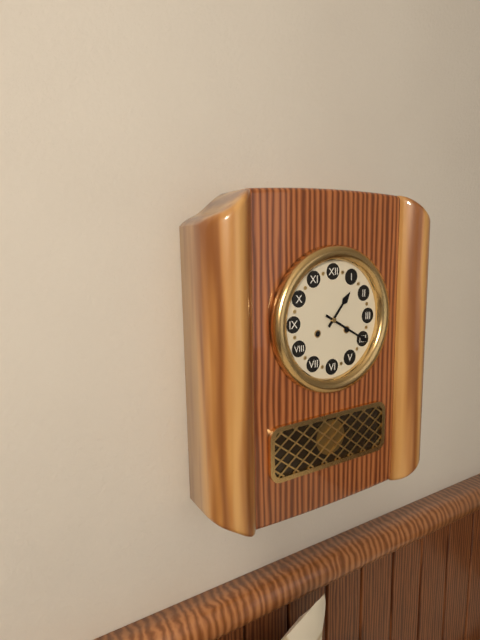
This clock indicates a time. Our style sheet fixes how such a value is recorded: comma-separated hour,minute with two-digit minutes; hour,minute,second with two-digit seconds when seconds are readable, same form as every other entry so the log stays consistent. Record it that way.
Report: 1,20
